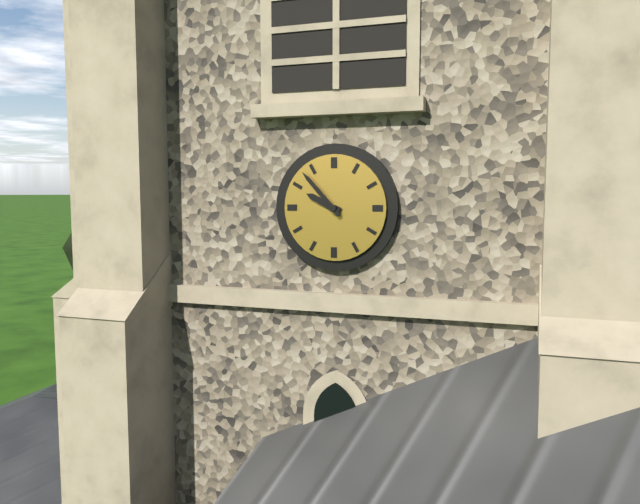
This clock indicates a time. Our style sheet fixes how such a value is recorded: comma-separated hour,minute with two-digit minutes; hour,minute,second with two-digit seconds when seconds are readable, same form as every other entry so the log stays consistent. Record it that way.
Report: 9,53
